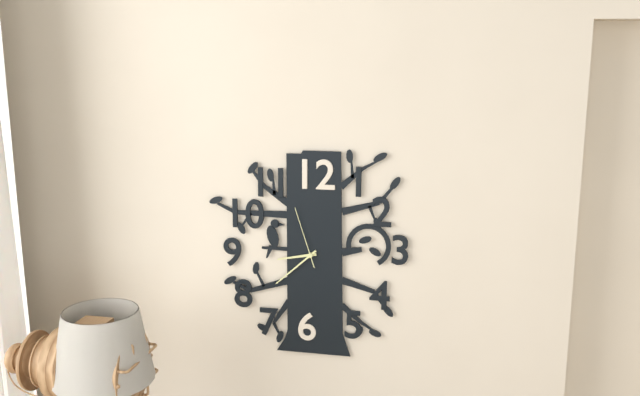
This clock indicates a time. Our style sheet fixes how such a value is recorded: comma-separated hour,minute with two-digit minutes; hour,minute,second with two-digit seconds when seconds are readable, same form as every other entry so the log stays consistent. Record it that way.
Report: 8,38,57
